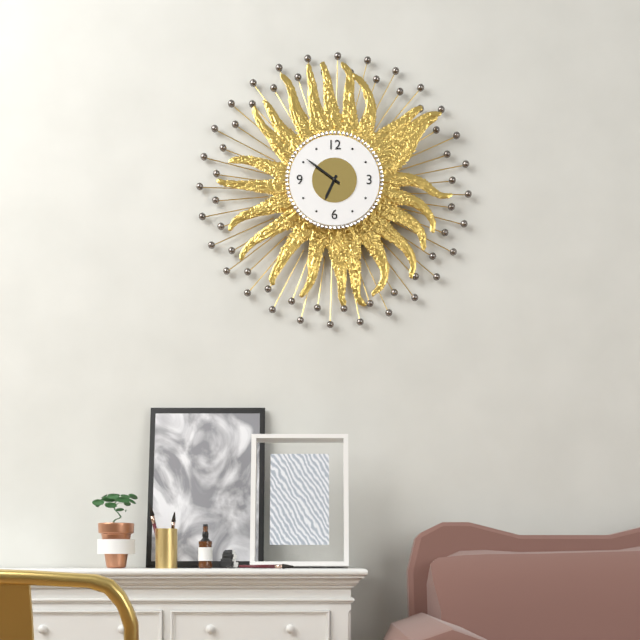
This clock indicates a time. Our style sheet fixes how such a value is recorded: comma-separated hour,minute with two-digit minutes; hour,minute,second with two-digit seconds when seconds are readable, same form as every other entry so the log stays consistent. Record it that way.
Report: 6,51
